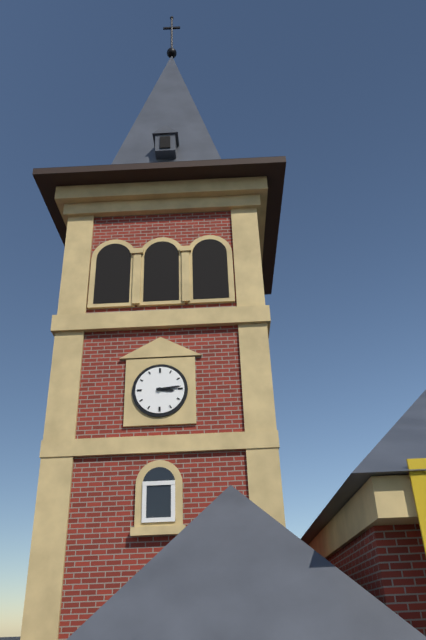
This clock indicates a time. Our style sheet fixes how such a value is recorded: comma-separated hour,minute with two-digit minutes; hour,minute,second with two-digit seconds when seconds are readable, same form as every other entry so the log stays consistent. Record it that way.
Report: 3,14
